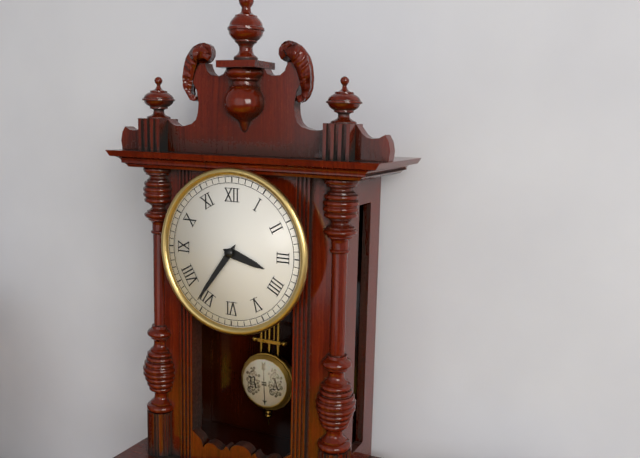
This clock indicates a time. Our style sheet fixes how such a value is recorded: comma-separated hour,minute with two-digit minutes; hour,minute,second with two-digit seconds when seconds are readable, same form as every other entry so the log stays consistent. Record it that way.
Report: 3,36
